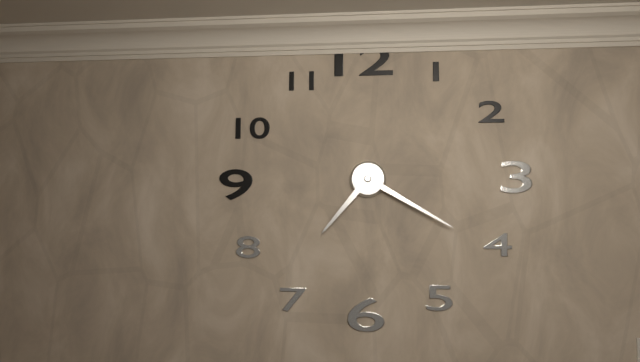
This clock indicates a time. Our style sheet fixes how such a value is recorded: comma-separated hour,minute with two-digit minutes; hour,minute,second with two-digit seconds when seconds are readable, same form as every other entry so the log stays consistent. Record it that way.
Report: 7,20
